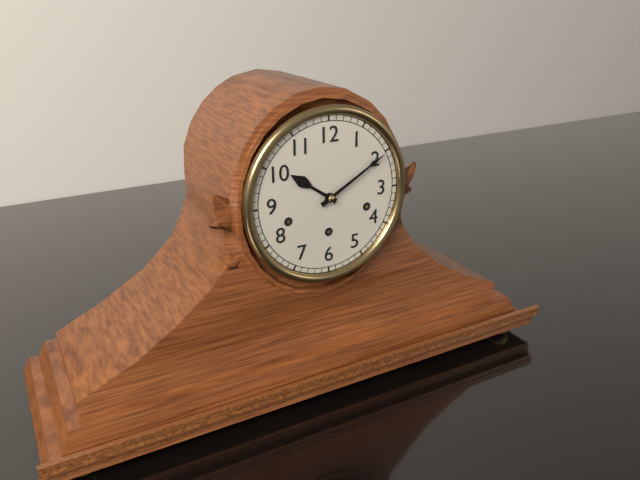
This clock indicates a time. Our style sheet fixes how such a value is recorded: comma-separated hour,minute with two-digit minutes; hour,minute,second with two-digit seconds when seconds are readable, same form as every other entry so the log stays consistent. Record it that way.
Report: 10,10
